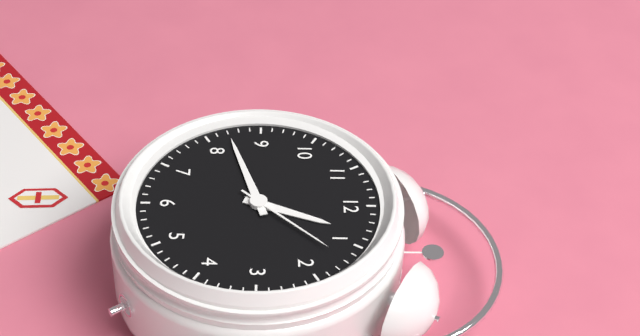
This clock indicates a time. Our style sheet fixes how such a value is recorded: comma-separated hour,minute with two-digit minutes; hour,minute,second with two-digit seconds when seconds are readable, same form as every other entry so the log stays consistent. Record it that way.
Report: 12,42,07
